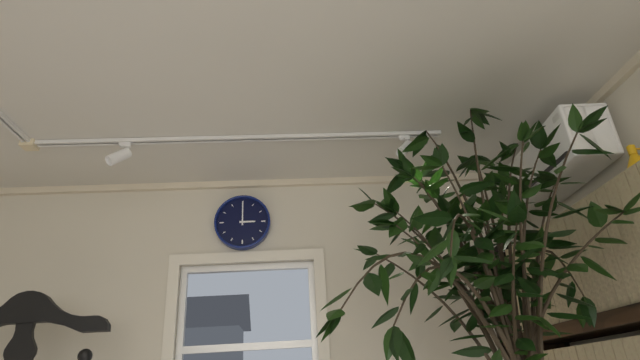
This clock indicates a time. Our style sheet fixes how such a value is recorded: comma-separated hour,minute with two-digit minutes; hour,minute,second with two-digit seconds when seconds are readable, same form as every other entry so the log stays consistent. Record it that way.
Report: 3,00
